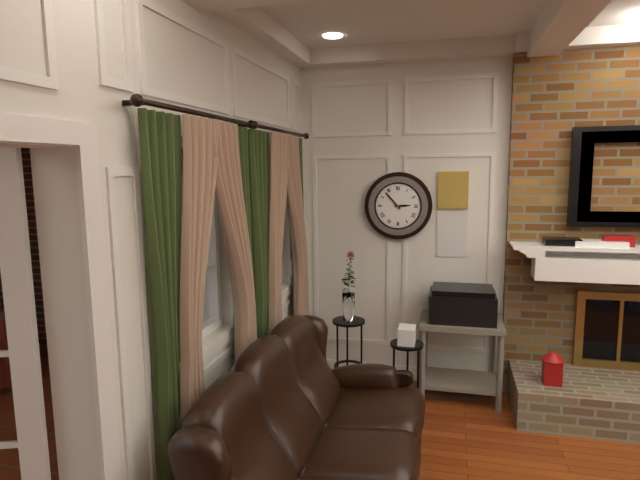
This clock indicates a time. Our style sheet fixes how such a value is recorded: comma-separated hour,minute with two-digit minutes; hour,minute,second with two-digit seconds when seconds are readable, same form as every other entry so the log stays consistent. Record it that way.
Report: 2,53
